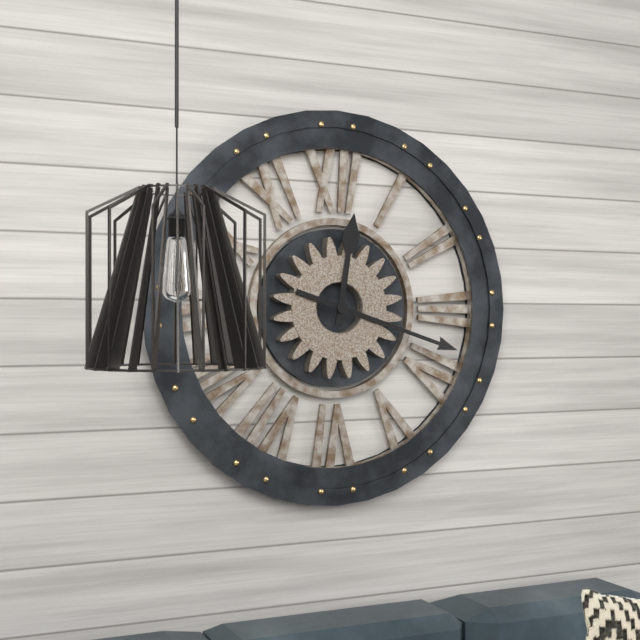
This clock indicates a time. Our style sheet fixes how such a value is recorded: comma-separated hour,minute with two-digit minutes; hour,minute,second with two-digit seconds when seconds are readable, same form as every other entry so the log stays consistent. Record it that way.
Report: 12,18
